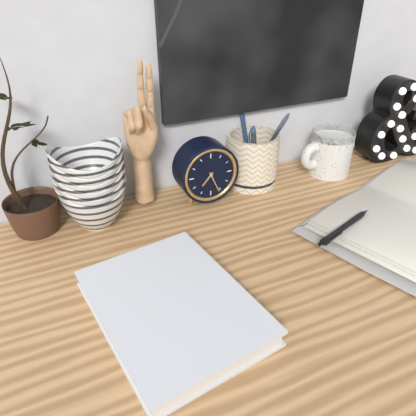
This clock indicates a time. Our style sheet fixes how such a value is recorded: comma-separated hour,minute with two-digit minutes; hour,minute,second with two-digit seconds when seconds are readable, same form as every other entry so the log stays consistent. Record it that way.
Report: 7,26
